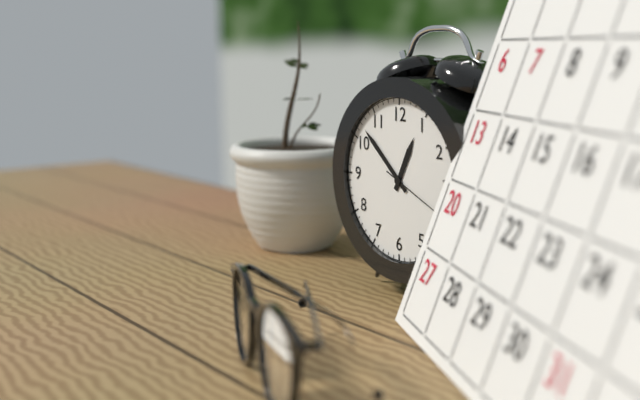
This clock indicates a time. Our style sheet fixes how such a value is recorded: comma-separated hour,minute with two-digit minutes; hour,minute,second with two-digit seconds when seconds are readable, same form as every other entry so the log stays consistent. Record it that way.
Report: 12,52,19
